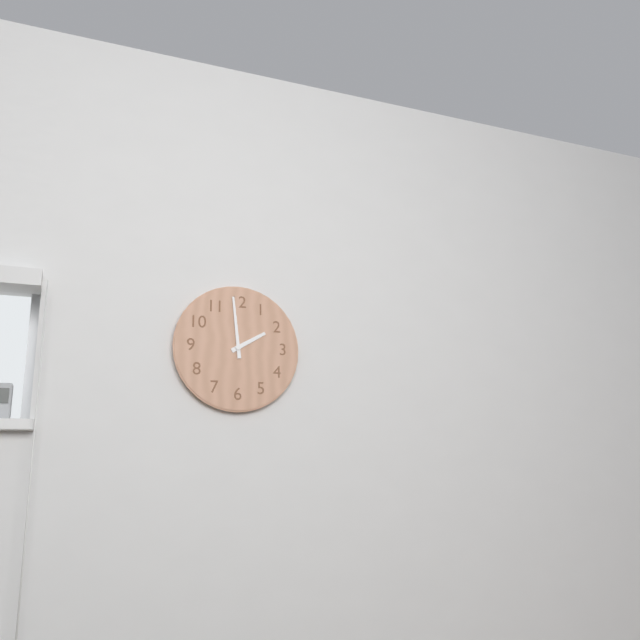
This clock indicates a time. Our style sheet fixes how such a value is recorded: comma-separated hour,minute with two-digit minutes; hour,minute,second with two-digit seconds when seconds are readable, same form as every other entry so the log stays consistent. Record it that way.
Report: 1,59
